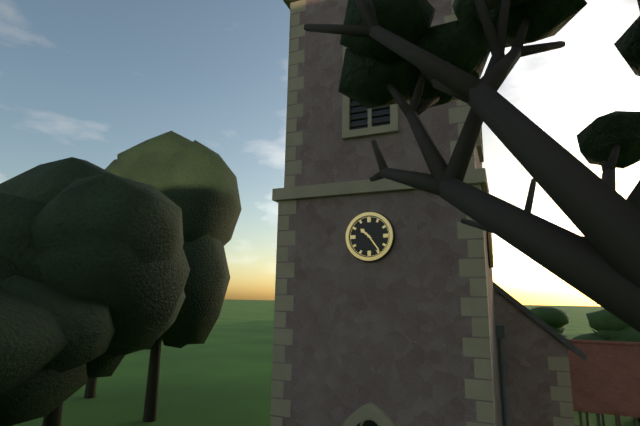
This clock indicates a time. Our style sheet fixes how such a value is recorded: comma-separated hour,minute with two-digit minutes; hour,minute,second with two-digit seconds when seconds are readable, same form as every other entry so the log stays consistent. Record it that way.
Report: 10,24
